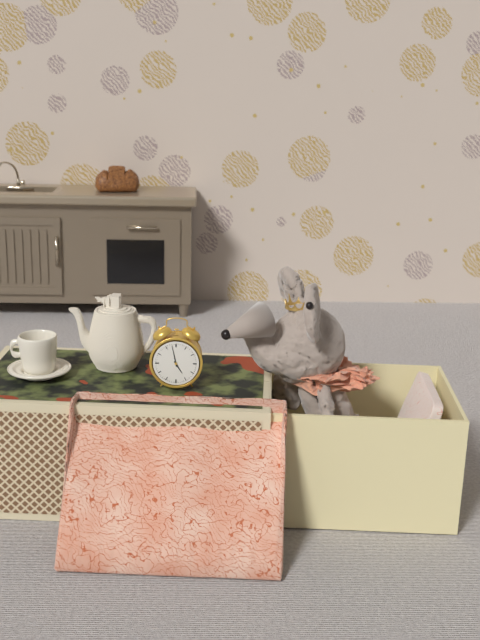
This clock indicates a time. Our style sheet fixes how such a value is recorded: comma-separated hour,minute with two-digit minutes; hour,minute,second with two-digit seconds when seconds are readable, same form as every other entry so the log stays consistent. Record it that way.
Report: 4,58
